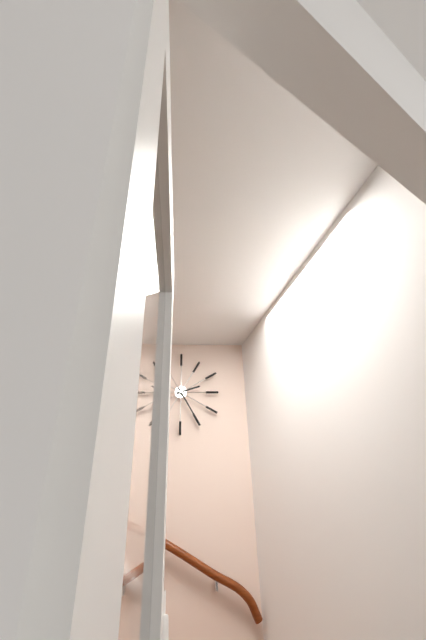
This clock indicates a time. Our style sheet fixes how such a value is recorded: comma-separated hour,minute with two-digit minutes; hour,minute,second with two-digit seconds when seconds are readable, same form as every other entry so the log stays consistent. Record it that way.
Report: 2,25
